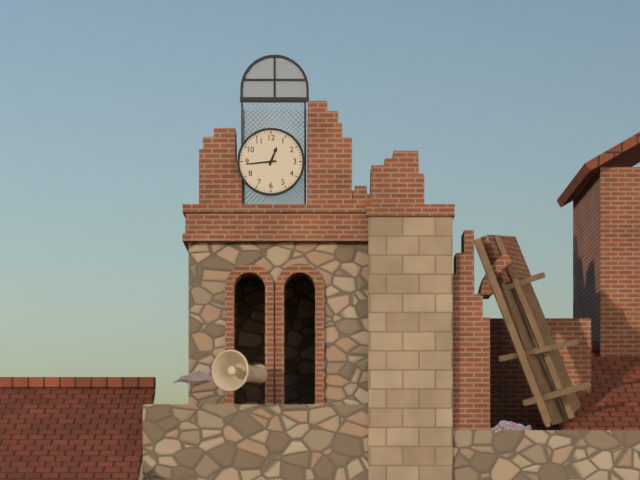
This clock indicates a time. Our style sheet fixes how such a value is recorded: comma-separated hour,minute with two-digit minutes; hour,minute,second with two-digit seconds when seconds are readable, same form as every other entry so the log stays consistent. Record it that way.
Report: 12,44
